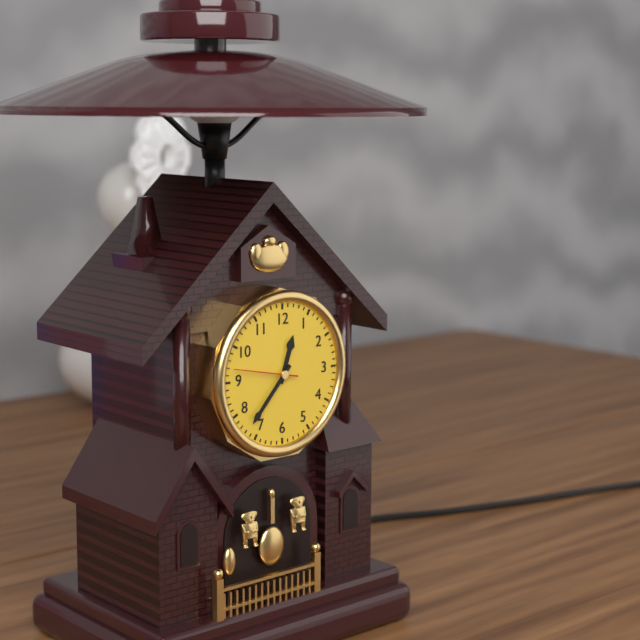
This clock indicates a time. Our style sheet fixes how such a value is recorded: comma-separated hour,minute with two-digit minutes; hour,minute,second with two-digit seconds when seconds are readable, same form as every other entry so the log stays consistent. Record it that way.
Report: 12,37,47
